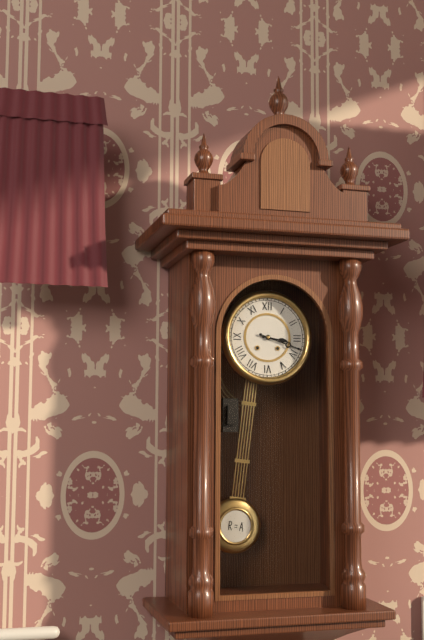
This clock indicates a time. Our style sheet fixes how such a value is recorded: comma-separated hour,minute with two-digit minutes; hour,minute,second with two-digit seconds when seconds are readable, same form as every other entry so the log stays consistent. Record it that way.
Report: 3,18
